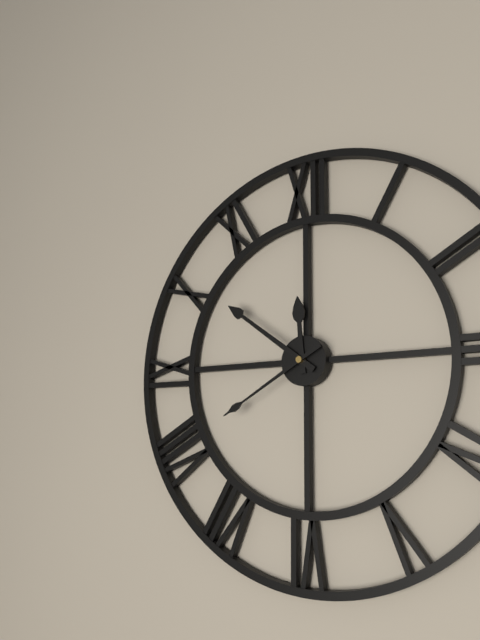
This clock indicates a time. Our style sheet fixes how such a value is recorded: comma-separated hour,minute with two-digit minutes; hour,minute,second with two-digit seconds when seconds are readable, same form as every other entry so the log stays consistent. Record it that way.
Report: 11,51,40
